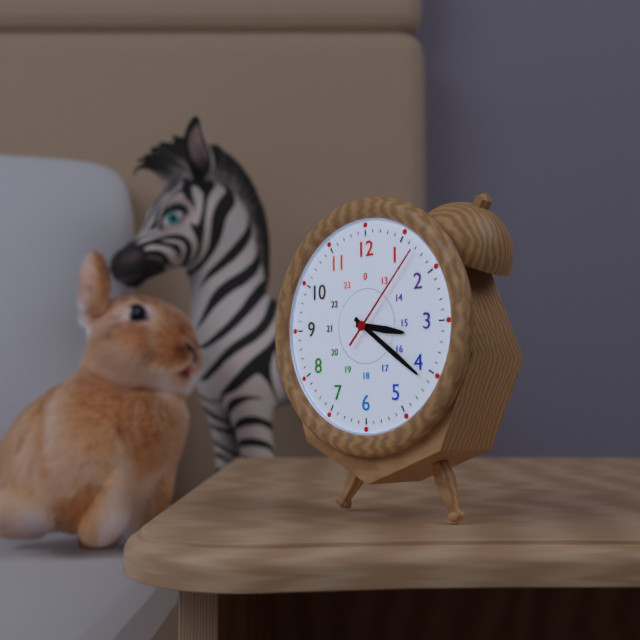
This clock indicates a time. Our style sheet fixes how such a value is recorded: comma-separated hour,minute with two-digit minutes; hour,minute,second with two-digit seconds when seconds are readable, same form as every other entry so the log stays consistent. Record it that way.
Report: 3,21,07
